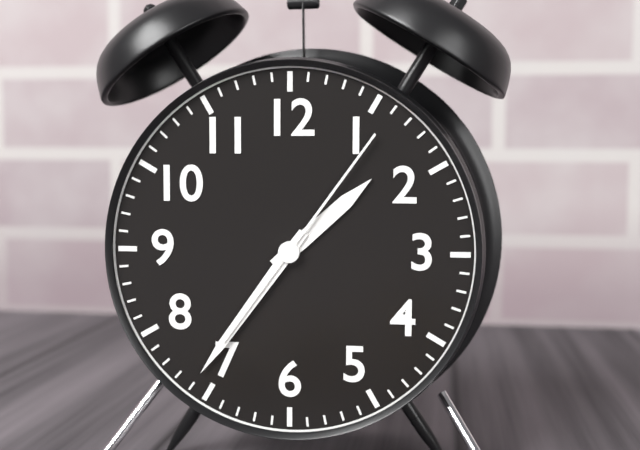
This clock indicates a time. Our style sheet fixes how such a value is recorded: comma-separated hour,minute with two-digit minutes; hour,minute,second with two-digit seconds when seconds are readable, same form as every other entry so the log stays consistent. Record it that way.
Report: 1,36,06
